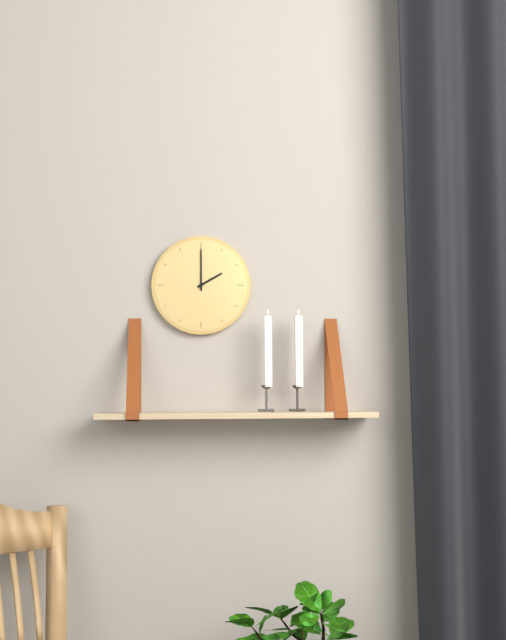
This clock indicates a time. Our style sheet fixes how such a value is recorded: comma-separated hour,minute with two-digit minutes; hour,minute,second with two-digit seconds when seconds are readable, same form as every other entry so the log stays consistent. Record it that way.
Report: 2,00
